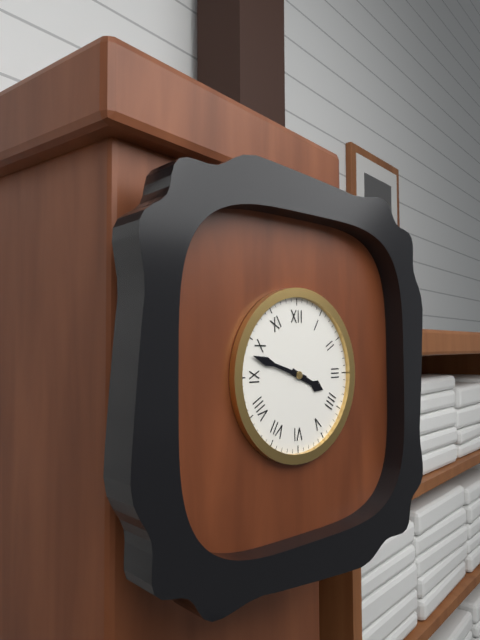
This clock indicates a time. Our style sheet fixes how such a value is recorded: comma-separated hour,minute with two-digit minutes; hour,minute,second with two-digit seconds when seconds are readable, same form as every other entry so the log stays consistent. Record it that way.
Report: 3,48
